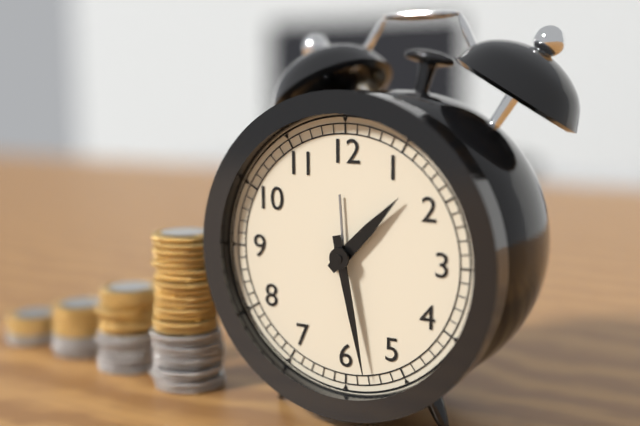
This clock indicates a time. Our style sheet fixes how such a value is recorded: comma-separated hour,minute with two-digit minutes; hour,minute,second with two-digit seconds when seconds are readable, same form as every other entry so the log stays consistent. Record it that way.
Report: 1,28
